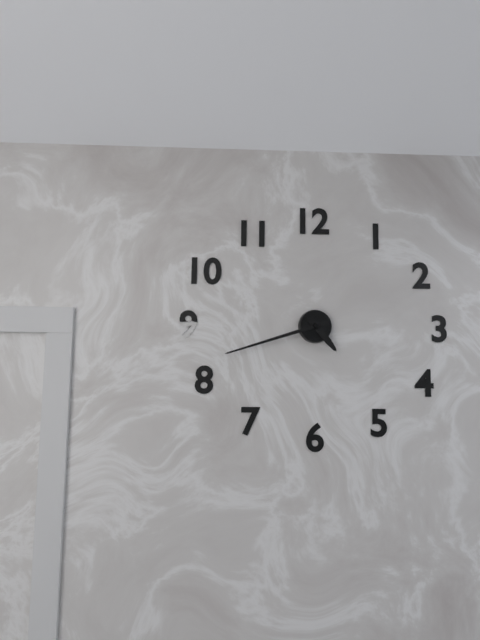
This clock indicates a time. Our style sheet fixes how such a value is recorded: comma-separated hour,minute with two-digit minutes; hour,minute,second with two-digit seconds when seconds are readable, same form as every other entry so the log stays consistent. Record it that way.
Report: 4,42
